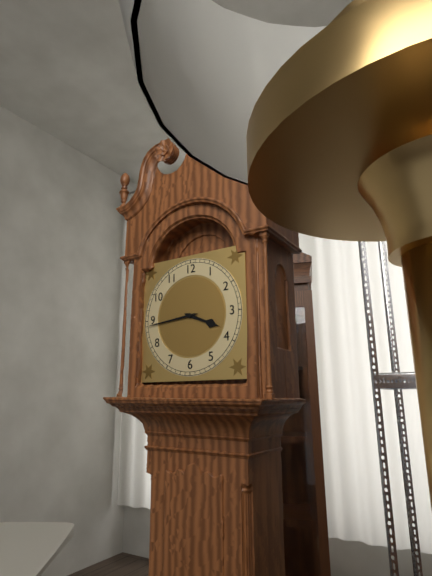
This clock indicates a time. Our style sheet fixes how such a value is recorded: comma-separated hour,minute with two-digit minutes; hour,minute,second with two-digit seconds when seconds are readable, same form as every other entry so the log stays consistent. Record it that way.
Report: 3,44
